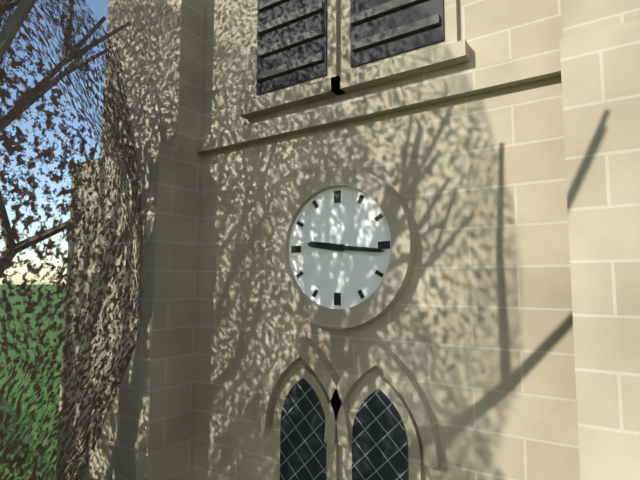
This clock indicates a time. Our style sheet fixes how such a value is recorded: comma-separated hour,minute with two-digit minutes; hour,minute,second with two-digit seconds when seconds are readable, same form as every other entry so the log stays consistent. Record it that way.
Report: 9,16
